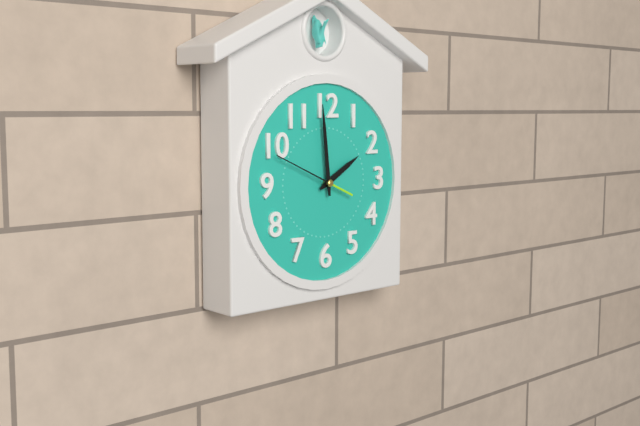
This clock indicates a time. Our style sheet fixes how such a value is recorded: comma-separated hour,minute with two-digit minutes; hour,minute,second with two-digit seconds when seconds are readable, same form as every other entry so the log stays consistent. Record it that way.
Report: 1,59
